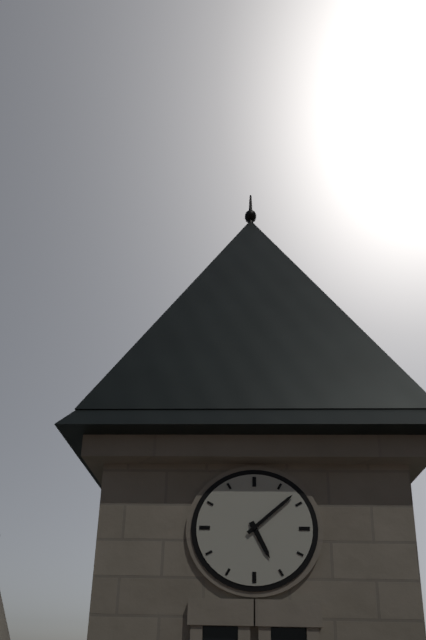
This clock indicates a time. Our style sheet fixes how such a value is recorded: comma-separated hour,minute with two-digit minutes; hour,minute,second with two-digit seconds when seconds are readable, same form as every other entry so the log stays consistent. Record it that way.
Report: 5,08
